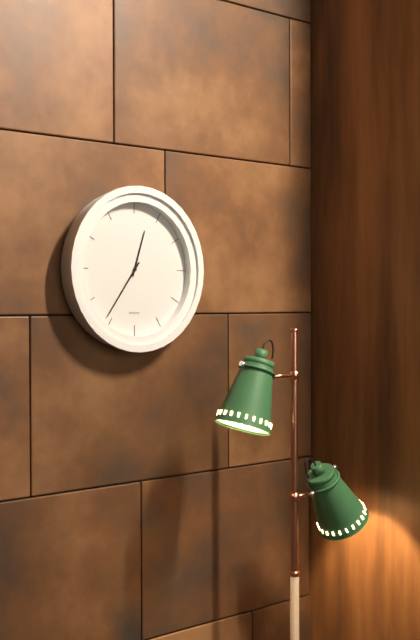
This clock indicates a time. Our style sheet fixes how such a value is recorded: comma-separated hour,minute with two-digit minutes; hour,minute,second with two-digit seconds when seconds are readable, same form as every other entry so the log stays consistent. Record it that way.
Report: 12,36
